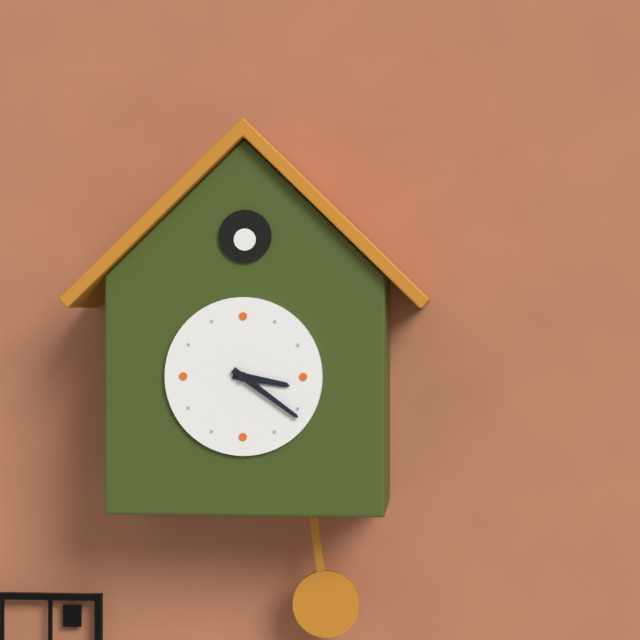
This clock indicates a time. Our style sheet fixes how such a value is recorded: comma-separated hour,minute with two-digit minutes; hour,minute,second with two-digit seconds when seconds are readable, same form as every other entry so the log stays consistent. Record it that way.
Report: 3,21
